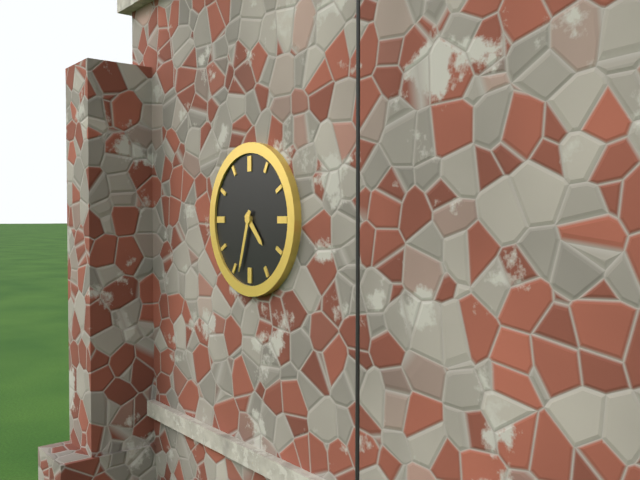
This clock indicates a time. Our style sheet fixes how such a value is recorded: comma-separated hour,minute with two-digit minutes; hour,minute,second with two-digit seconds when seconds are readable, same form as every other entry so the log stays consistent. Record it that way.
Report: 4,33
